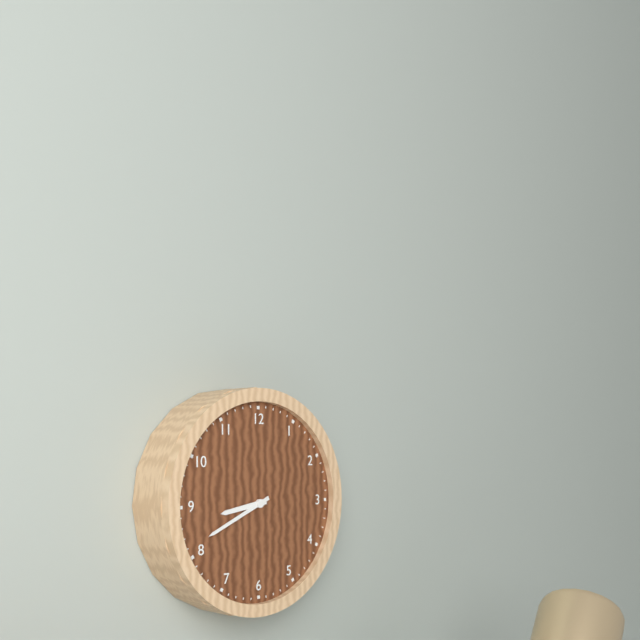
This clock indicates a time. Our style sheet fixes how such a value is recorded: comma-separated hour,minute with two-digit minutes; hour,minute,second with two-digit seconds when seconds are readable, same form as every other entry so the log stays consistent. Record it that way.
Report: 8,41
